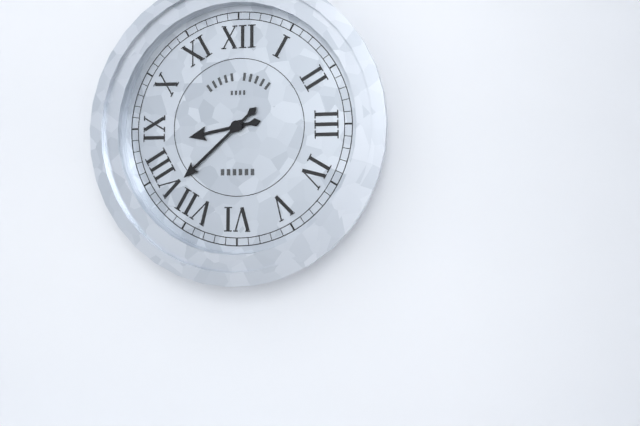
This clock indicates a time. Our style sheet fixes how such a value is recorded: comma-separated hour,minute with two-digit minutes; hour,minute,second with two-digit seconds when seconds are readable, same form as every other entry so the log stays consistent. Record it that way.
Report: 8,38
